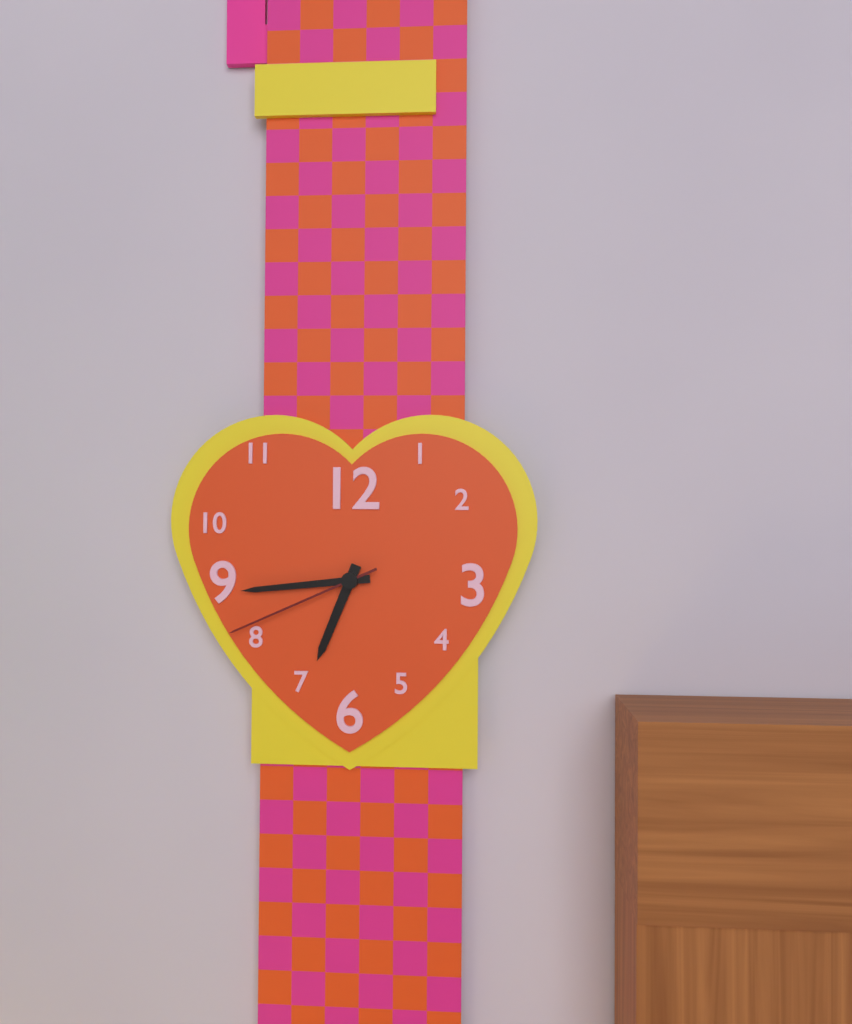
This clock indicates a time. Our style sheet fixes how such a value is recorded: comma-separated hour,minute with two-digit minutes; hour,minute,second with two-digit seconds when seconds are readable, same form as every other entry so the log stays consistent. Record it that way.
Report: 6,44,41
